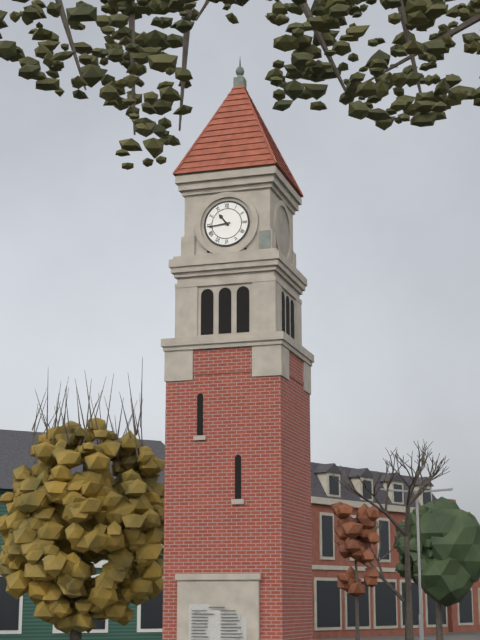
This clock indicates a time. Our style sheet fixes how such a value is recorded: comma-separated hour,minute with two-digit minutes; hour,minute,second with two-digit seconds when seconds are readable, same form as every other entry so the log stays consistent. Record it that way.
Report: 10,44
